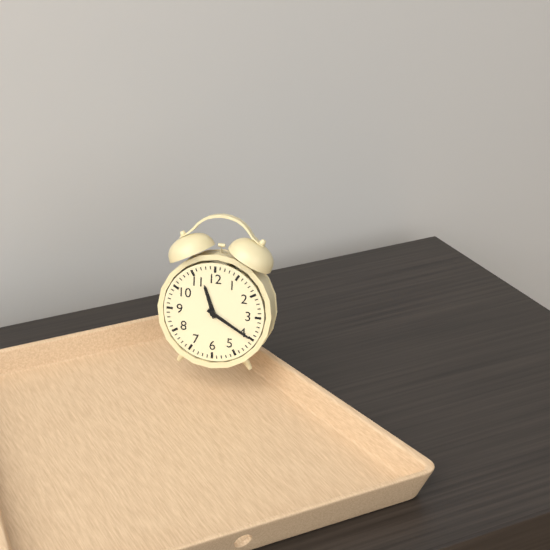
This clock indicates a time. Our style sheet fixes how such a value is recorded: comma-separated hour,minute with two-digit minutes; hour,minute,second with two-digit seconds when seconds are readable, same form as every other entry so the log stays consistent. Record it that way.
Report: 11,20
